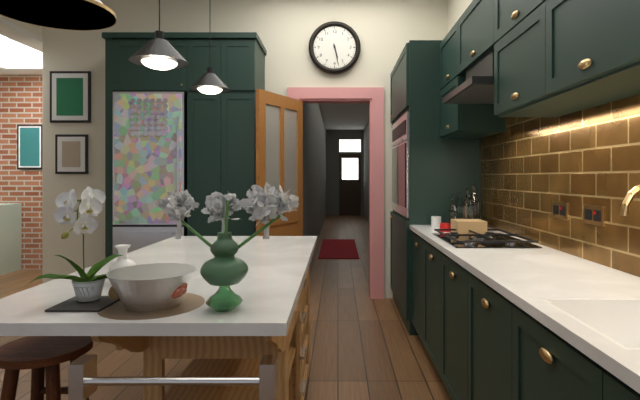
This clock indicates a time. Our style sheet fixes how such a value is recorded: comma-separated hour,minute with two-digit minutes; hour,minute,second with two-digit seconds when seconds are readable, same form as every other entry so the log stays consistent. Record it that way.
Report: 5,28
